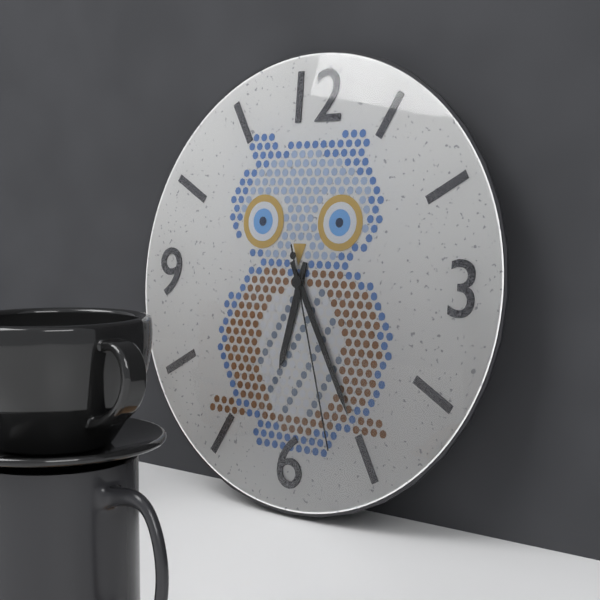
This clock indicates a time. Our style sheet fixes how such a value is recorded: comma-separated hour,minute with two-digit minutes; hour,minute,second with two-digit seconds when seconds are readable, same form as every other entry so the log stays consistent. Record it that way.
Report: 6,25,27
